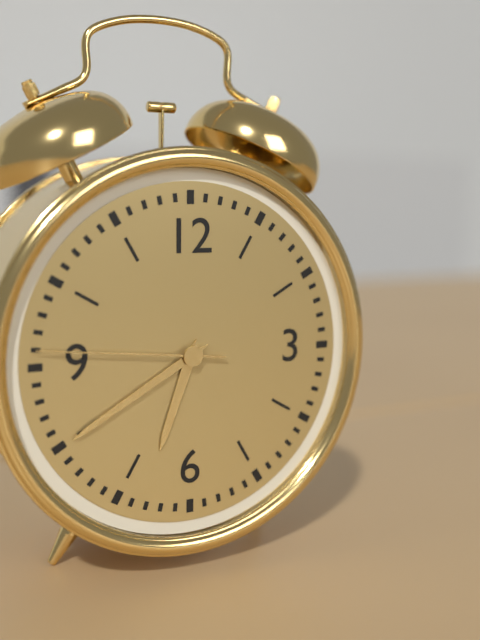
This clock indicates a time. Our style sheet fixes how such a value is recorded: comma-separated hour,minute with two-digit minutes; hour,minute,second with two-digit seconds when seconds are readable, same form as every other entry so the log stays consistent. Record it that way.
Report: 6,40,46
